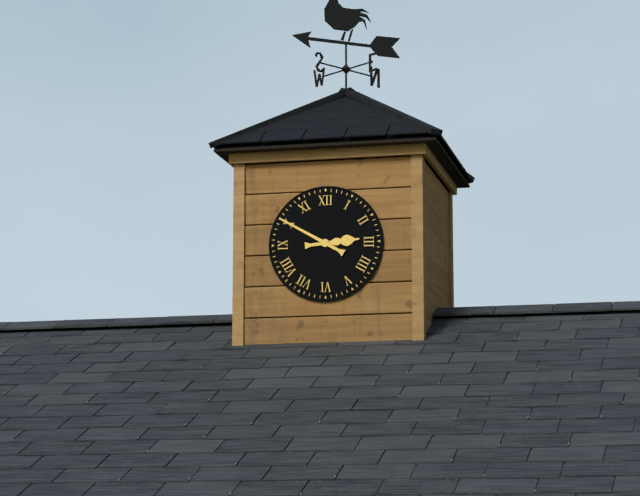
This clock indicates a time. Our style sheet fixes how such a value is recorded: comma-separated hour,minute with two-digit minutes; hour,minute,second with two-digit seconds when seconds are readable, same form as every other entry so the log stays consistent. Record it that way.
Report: 2,50
